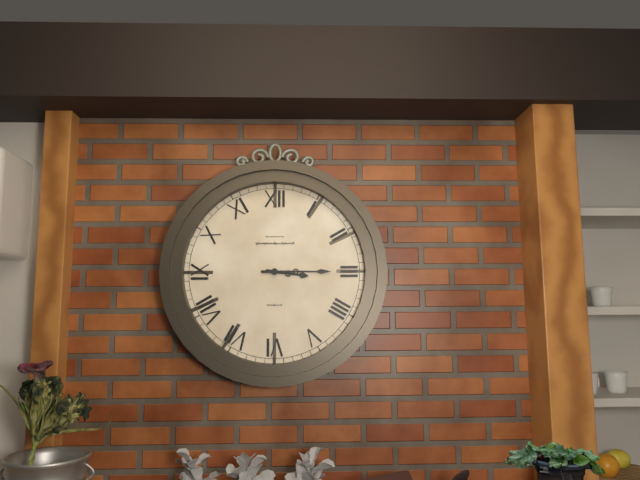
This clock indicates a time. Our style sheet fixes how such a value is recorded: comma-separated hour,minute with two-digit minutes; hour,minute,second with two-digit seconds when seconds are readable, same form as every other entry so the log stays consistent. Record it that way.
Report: 3,15
